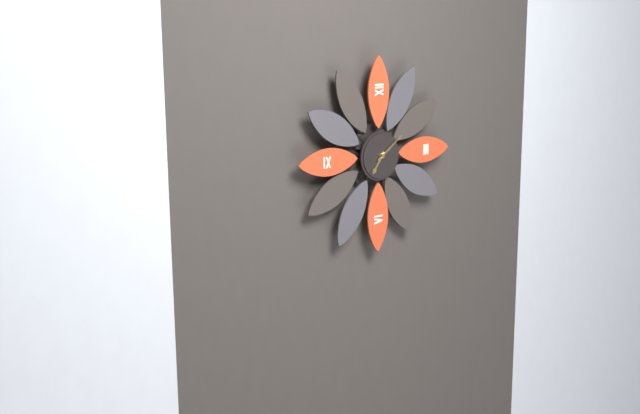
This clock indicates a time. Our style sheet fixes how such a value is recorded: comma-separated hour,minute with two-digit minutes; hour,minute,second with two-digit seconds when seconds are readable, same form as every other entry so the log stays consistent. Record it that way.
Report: 7,09
